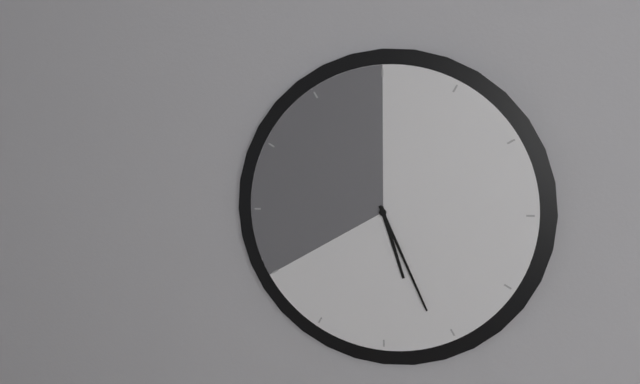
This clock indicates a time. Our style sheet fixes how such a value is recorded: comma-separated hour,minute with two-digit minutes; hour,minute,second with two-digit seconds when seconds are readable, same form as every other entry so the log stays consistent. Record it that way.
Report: 5,26
